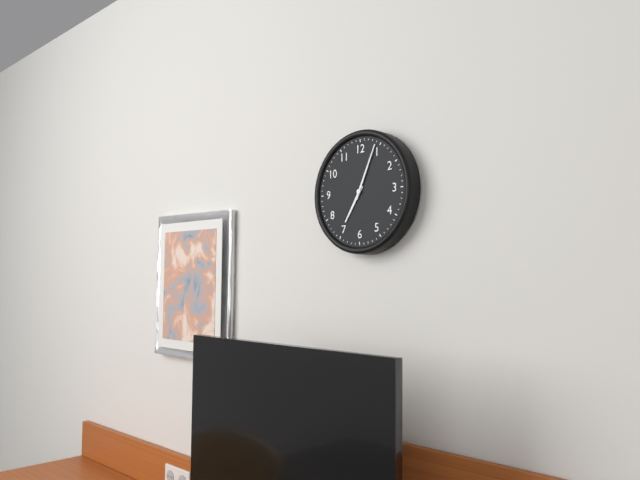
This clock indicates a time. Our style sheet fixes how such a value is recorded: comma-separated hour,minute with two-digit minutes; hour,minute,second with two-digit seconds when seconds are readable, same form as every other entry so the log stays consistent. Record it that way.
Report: 7,04
